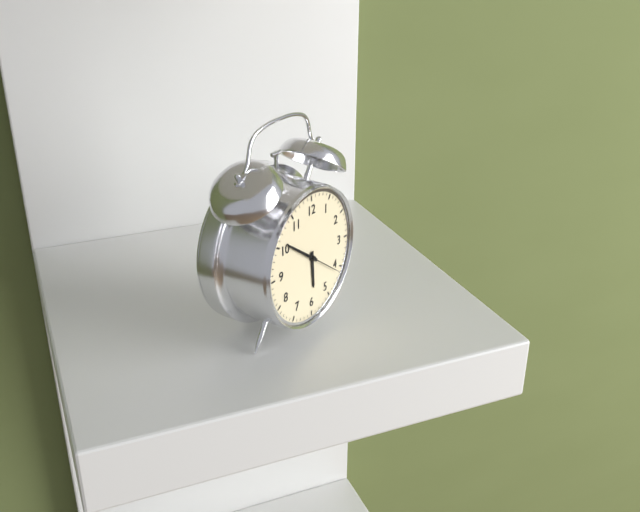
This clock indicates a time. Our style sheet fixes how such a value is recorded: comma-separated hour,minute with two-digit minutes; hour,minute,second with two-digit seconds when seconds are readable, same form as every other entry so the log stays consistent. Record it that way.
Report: 5,51
